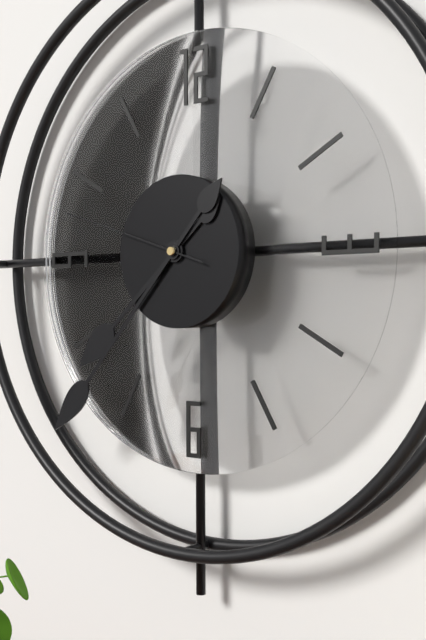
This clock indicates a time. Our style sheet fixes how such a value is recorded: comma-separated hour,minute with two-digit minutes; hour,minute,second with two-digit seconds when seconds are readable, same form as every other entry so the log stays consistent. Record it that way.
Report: 7,37,48
